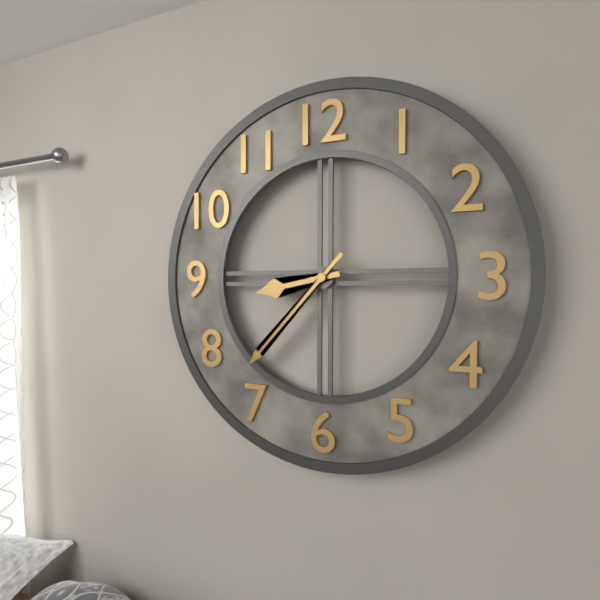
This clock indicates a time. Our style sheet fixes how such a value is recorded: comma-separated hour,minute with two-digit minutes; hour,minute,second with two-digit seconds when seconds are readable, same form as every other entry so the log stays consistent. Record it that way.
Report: 8,37
